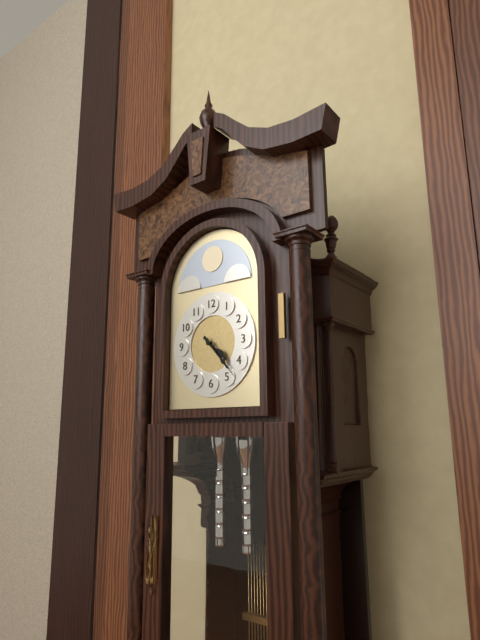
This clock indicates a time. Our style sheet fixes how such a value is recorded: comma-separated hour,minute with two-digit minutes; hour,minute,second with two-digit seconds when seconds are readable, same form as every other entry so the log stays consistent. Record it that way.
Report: 4,23
